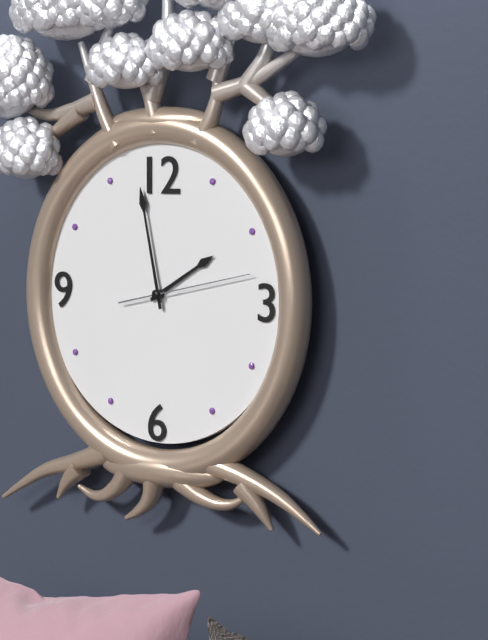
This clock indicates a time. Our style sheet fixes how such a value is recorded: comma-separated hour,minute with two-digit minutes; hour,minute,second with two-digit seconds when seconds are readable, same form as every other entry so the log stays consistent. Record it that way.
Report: 1,58,13
